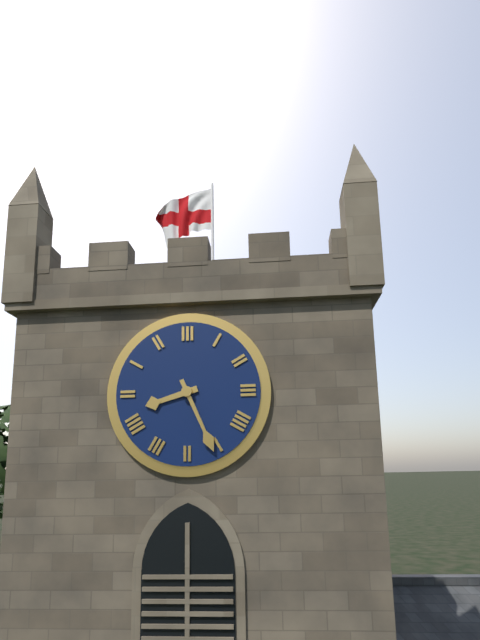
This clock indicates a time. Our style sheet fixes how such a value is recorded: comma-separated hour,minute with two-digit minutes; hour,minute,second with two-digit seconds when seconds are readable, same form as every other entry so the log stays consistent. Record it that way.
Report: 8,26
